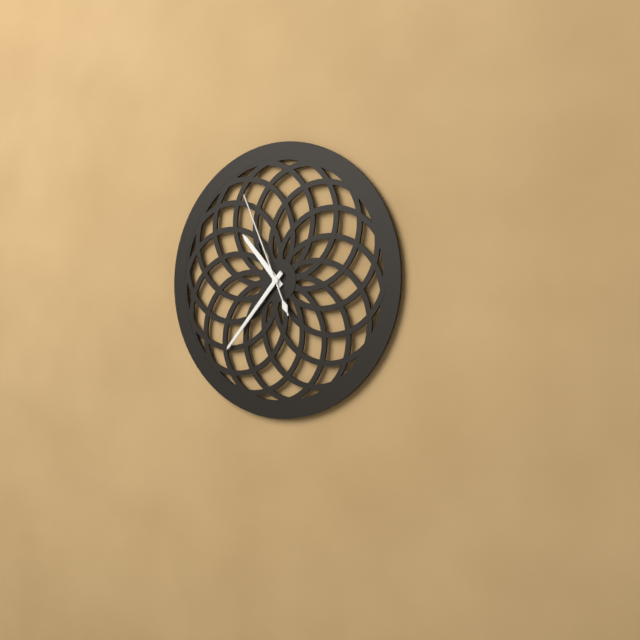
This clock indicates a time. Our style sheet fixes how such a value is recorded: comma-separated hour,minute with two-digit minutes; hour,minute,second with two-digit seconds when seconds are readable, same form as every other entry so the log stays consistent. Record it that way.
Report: 10,37,56
